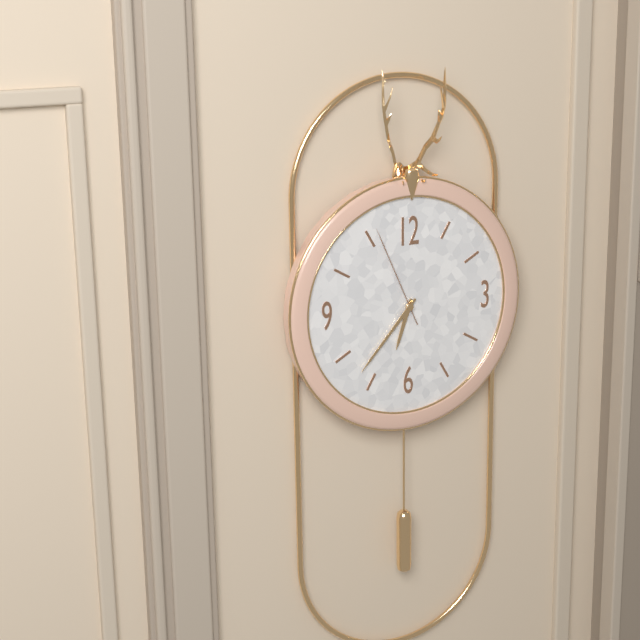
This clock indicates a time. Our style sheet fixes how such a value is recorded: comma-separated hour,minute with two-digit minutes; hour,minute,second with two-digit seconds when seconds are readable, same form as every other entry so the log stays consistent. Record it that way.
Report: 6,37,56
